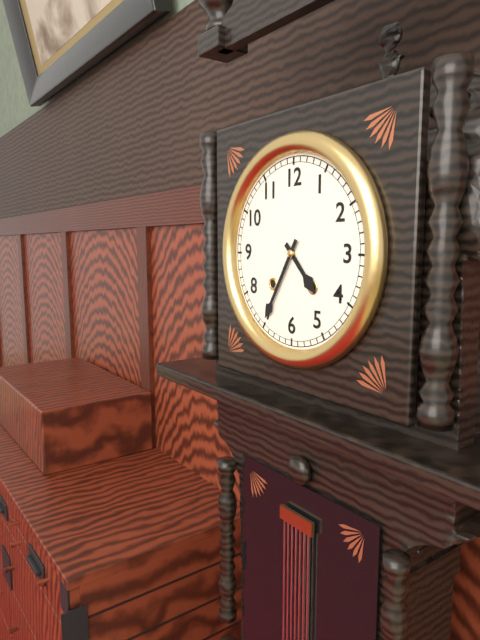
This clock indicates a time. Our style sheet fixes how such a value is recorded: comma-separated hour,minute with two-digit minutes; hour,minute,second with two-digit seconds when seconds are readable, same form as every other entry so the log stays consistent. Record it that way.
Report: 4,35
